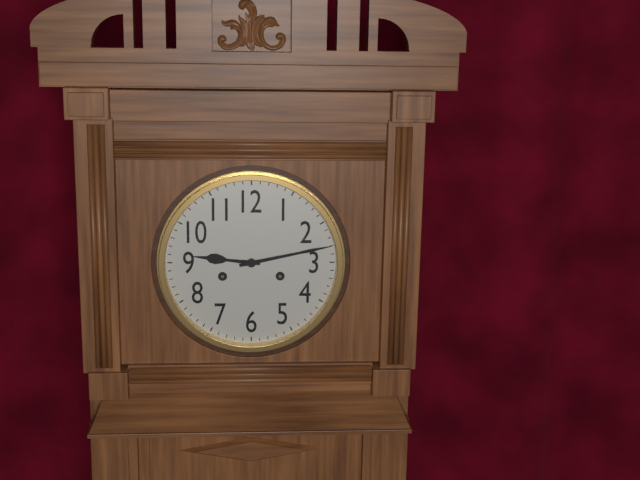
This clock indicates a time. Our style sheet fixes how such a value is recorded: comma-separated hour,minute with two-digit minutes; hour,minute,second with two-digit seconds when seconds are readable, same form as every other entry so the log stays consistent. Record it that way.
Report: 9,13
